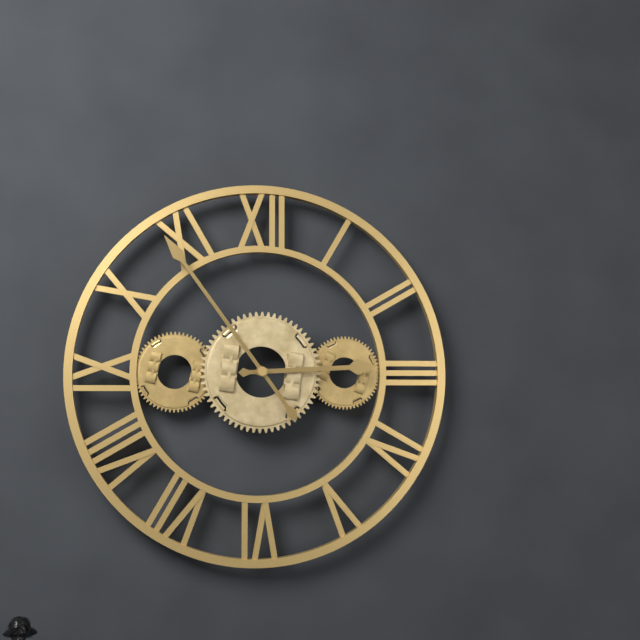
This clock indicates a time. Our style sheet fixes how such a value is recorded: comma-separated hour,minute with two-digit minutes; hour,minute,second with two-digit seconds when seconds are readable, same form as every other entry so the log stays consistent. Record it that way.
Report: 2,54
